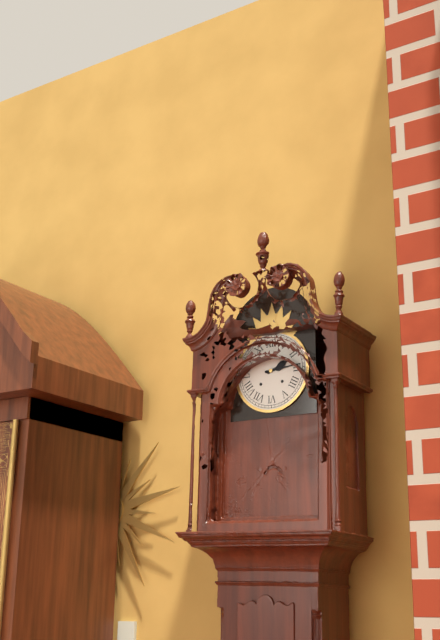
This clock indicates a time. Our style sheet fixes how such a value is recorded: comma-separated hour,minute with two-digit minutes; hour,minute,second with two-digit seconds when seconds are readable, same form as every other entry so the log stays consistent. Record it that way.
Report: 2,14
